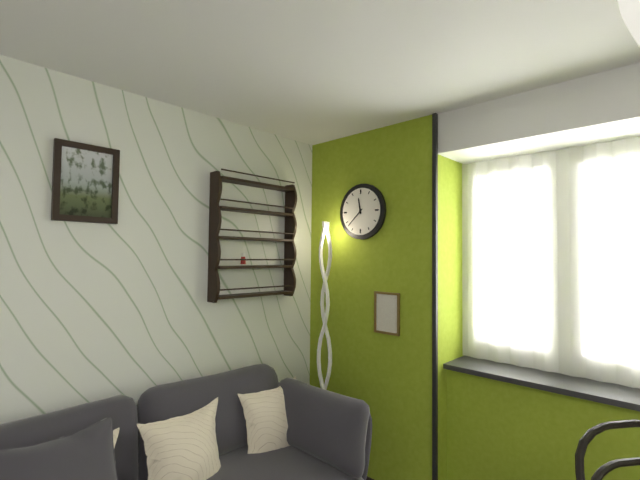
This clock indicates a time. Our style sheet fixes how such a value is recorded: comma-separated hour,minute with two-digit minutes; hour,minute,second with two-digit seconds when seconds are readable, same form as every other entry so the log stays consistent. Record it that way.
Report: 11,38
